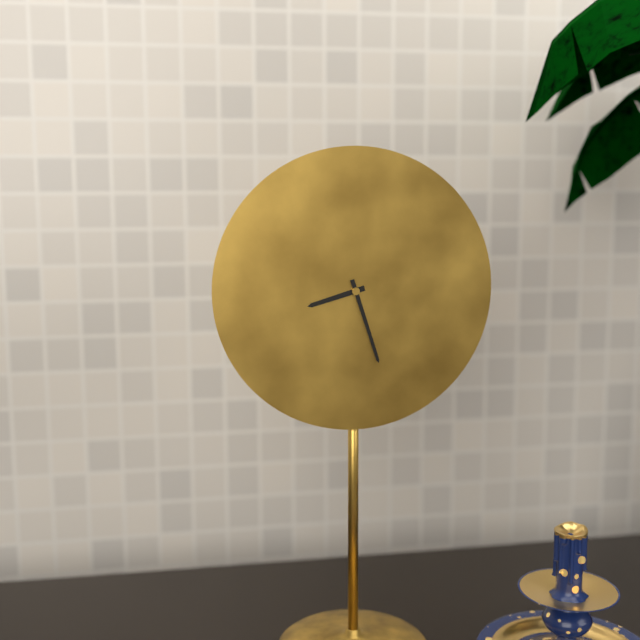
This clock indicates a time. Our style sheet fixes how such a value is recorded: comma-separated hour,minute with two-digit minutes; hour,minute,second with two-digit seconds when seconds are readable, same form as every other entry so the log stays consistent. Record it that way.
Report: 8,27
